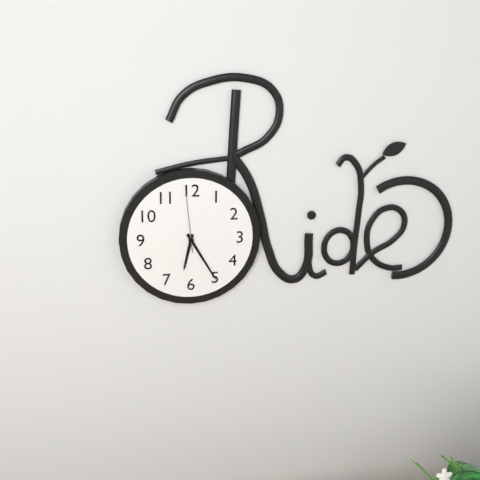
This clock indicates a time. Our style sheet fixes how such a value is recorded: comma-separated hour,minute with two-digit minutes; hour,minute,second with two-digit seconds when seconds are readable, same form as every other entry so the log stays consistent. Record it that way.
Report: 6,25,59
